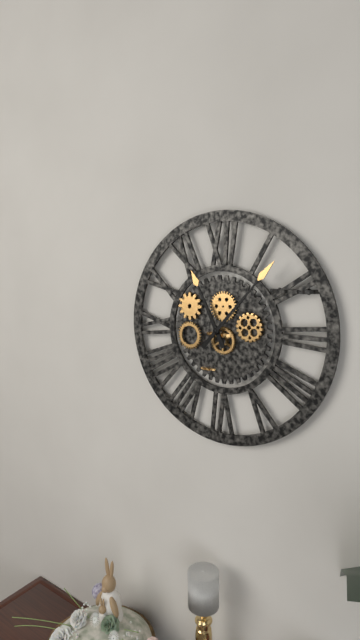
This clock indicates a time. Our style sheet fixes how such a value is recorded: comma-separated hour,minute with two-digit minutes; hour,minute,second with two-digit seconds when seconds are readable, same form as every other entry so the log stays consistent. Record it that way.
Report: 11,07
